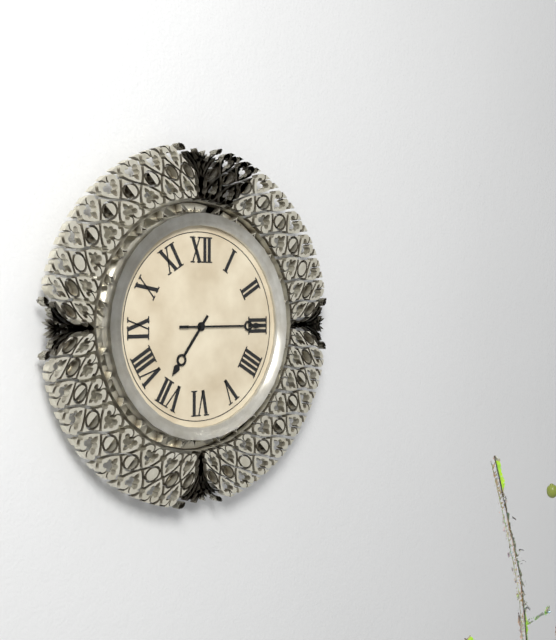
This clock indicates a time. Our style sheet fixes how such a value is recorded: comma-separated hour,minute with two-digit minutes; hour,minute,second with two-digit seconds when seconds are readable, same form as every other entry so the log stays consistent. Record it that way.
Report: 7,15
